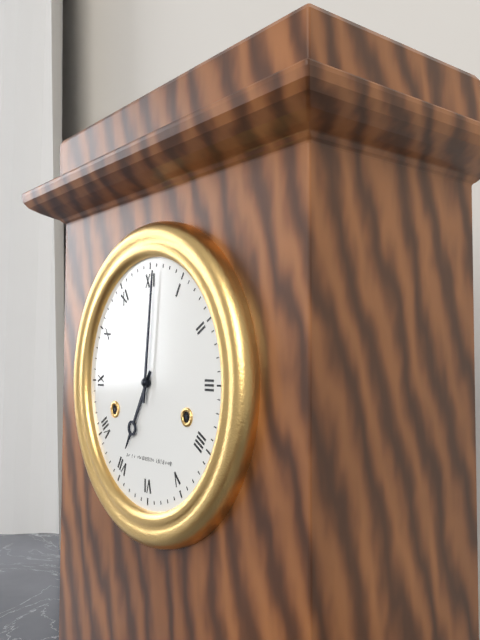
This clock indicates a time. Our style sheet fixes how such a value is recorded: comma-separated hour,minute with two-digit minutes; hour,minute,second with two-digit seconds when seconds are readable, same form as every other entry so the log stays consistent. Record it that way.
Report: 7,01
